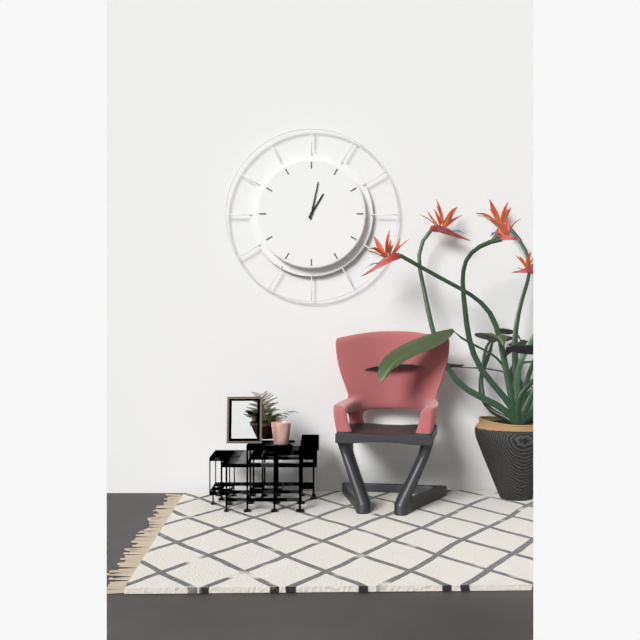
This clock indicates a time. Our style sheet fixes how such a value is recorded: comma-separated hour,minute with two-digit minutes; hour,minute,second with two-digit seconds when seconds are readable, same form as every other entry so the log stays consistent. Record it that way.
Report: 1,02
